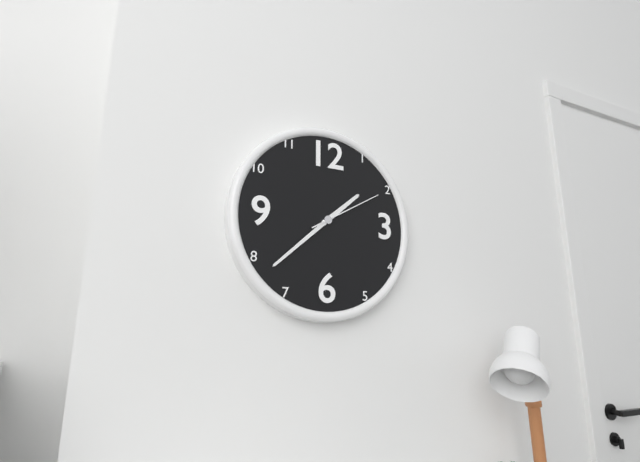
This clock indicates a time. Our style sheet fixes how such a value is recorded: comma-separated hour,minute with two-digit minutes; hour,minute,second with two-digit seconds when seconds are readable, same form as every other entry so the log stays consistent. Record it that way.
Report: 1,38,10
